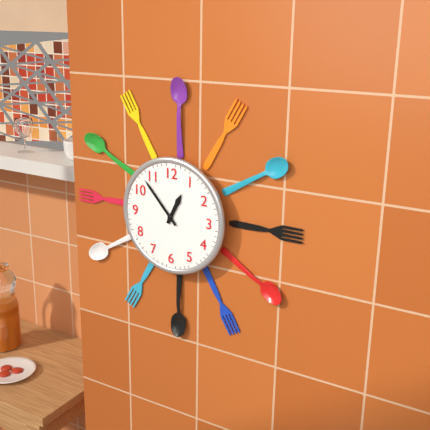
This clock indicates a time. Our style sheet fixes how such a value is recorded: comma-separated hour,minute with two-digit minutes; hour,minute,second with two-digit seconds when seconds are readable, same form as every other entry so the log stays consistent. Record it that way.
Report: 12,53
